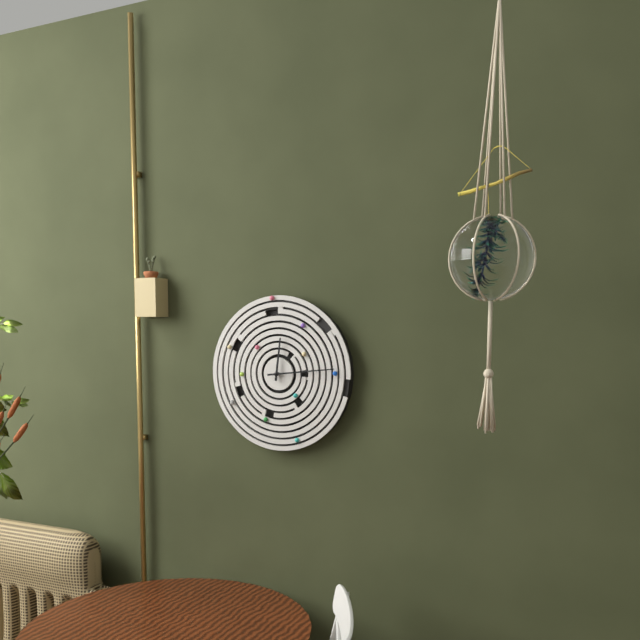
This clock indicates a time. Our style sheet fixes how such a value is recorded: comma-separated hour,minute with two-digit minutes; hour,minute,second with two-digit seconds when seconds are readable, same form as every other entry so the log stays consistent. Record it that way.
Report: 12,14
